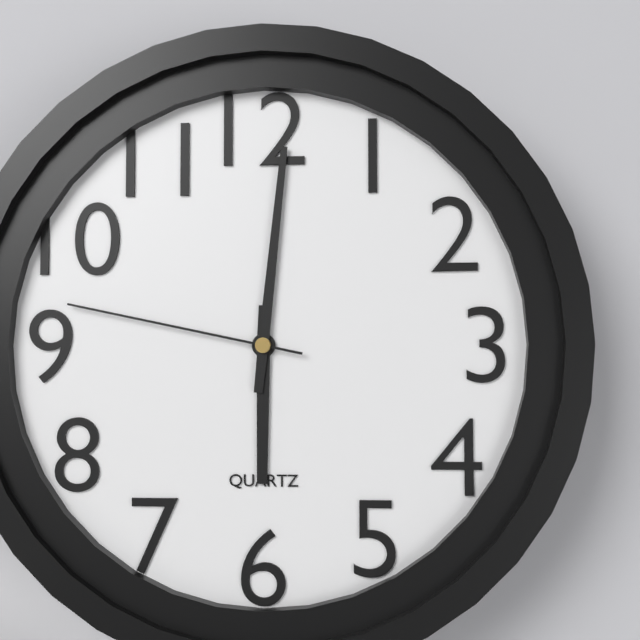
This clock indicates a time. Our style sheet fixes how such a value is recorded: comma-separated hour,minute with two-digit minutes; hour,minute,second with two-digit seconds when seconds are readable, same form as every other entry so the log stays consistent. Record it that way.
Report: 6,01,47
